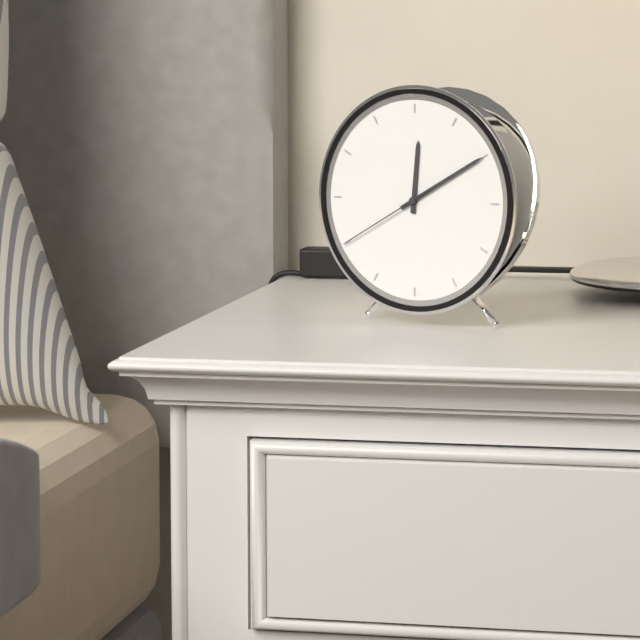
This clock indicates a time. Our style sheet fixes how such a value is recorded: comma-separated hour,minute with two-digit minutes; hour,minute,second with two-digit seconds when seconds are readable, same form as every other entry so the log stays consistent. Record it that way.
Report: 12,10,40
